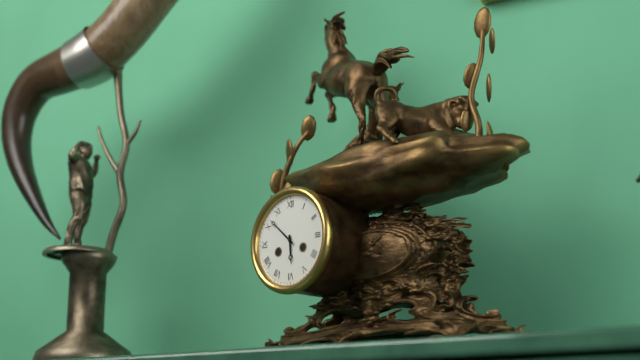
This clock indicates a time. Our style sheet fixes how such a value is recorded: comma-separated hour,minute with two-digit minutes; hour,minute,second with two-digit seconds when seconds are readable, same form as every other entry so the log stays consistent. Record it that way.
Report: 5,52
